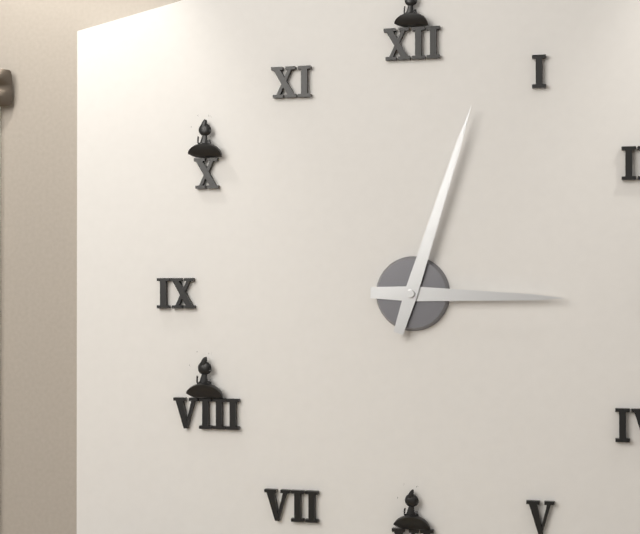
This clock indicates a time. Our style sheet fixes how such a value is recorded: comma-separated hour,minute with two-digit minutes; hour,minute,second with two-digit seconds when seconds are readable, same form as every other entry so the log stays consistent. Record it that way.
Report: 3,03
